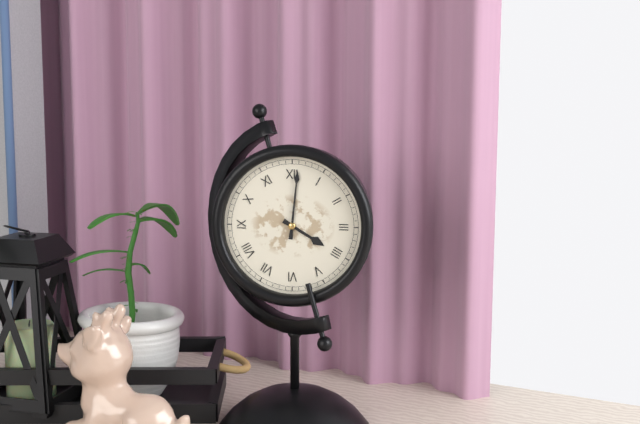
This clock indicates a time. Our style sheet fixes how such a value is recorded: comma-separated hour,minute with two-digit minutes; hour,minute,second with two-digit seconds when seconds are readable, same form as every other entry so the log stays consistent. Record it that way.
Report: 4,01
